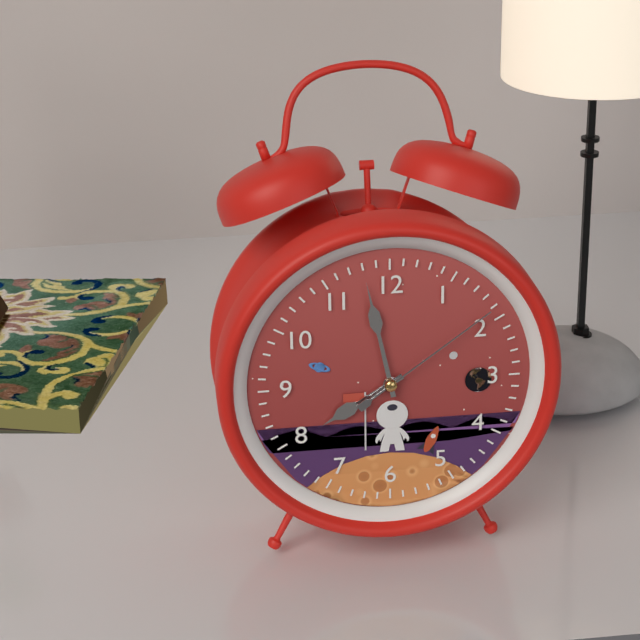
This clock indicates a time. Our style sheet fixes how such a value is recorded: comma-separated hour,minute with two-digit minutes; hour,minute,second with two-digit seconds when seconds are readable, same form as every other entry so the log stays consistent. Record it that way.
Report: 7,58,09
